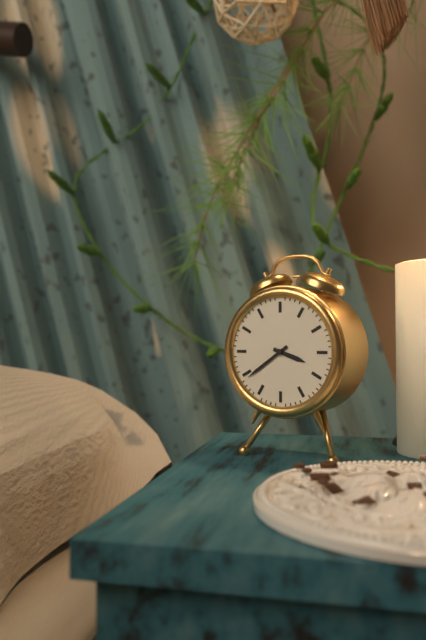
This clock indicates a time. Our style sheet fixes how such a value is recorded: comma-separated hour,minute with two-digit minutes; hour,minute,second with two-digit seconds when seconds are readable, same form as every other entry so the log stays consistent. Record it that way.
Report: 3,39
